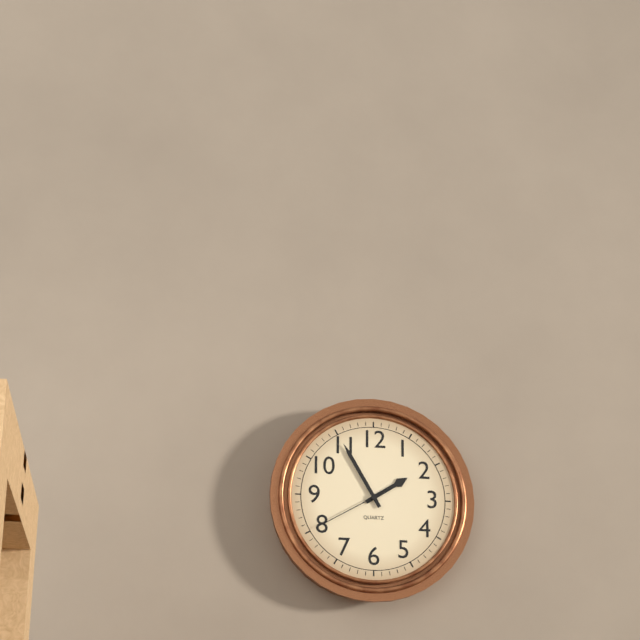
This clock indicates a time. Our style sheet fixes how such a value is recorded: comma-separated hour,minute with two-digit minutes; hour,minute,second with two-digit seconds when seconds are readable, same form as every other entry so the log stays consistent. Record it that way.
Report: 1,55,40
